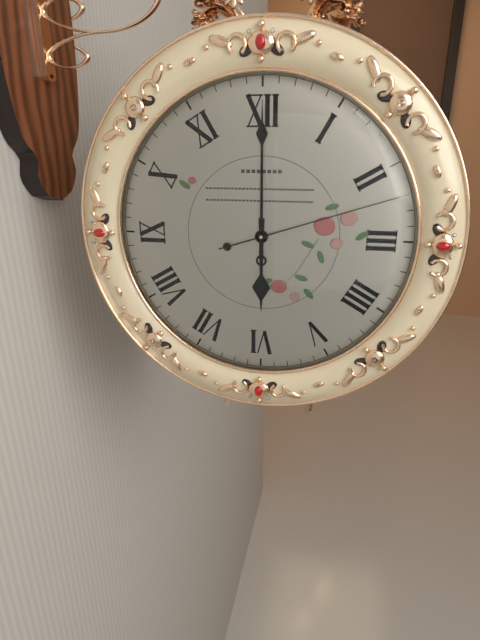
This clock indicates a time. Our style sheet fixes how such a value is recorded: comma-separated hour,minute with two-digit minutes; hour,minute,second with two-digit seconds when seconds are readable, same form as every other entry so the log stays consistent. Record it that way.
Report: 6,00,12
